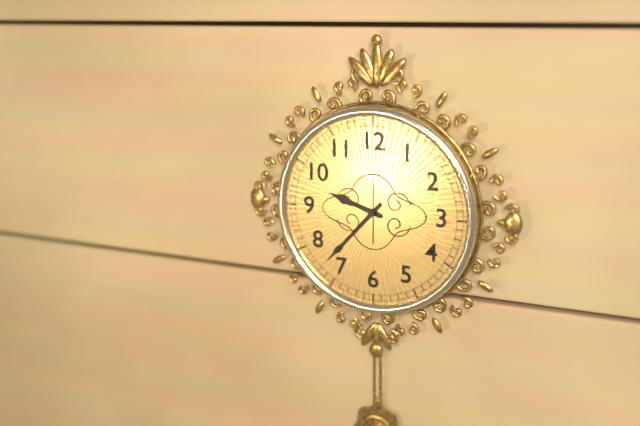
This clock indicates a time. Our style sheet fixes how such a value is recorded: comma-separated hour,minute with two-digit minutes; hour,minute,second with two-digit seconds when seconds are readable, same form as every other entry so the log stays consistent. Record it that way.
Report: 9,37
